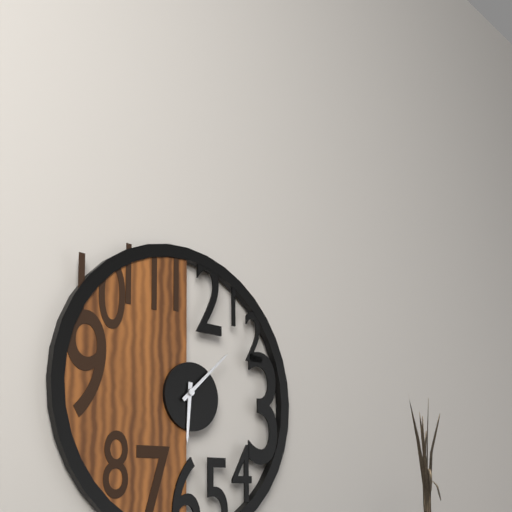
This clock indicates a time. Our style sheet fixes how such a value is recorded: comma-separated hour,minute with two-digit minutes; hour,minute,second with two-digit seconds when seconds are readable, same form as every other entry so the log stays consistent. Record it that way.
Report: 6,08
